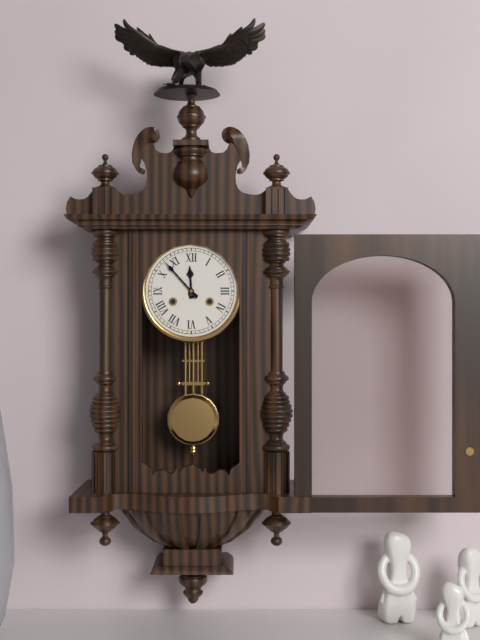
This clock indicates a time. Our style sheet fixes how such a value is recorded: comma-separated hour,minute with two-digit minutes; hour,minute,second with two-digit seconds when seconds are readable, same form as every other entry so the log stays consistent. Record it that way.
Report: 11,53
